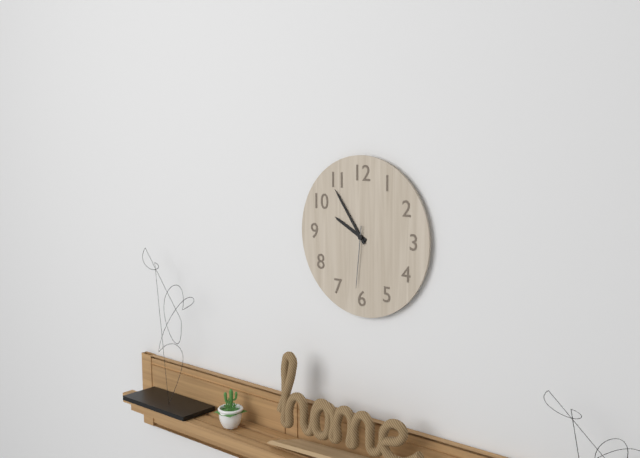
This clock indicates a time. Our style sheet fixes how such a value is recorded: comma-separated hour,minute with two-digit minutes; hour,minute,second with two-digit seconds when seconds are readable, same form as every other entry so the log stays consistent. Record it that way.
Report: 9,54,31
